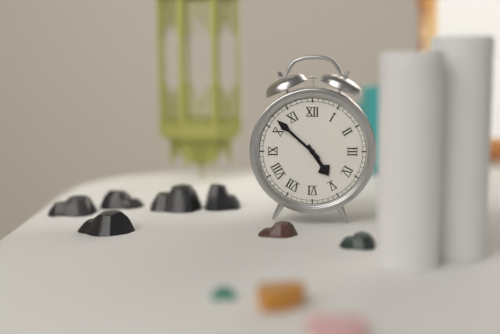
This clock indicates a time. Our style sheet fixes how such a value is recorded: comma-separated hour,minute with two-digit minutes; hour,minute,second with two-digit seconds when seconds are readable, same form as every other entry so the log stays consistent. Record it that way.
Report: 4,52
